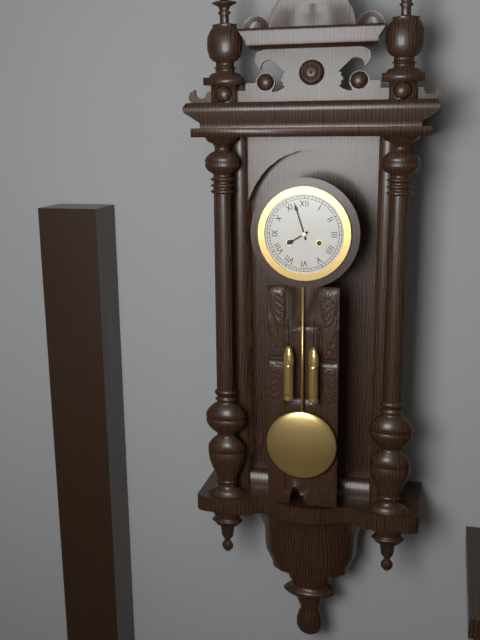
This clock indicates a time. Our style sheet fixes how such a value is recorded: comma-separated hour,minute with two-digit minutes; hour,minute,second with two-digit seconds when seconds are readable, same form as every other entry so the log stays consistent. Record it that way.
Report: 7,57
